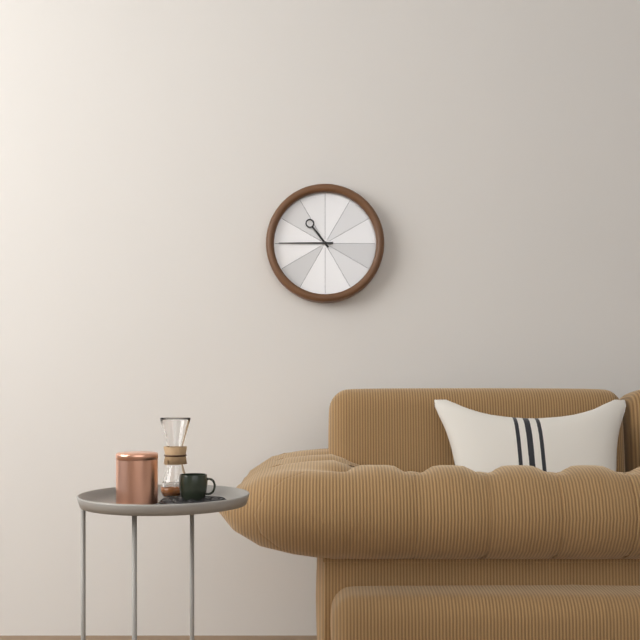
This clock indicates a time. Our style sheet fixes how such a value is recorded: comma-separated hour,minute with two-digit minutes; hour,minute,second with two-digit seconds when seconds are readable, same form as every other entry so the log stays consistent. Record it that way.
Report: 10,45
